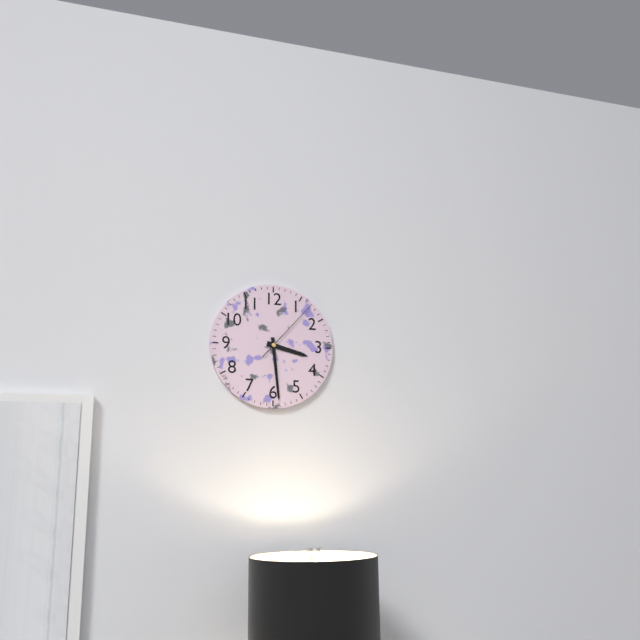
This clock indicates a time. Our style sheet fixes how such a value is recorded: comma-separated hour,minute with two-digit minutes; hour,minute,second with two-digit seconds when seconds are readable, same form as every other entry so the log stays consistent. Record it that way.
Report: 3,29,07
